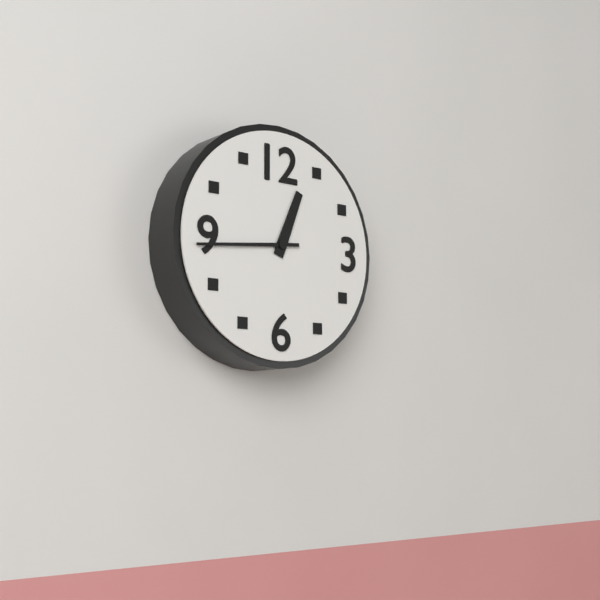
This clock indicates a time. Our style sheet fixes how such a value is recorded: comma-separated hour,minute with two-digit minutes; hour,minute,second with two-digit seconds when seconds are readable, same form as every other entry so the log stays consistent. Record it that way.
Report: 12,44
